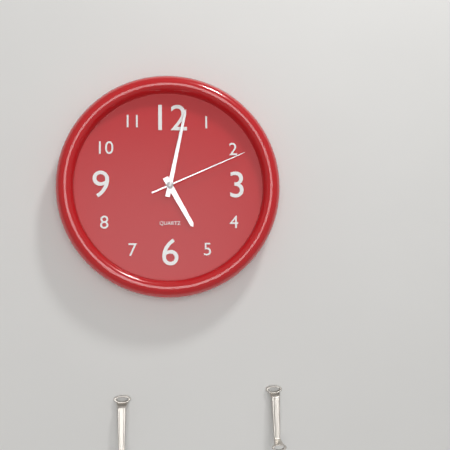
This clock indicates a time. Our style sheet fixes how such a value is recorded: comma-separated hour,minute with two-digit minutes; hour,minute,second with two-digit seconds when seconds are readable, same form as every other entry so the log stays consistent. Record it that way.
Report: 5,02,11
